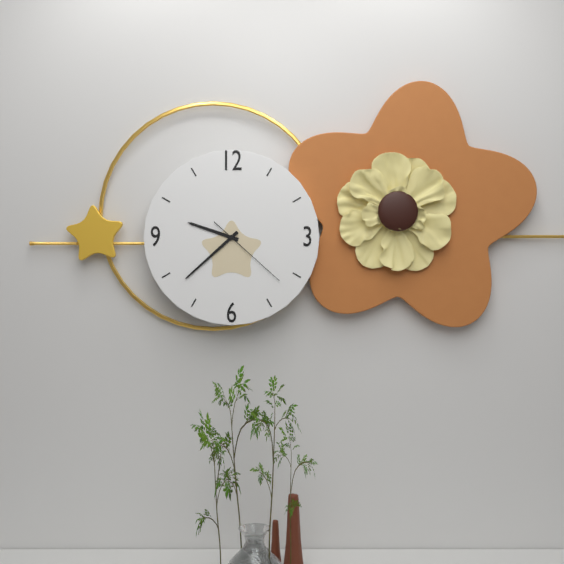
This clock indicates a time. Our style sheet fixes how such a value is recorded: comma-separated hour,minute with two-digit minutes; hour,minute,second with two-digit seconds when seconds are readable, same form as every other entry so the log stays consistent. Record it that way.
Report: 9,38,22
